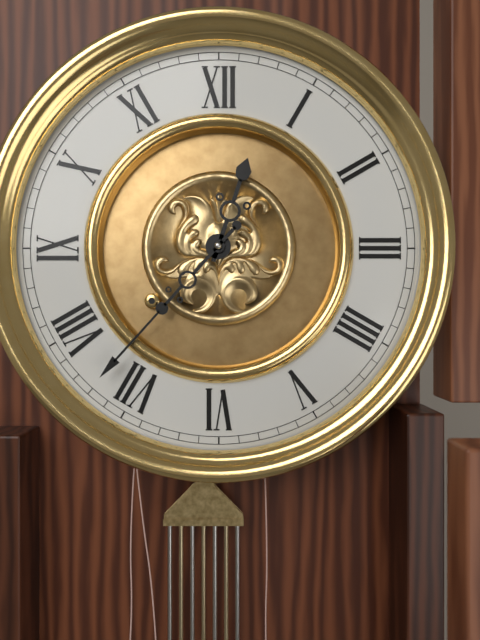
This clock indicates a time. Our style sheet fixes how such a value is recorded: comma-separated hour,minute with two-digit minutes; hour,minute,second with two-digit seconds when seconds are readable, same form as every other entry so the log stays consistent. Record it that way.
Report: 12,37
